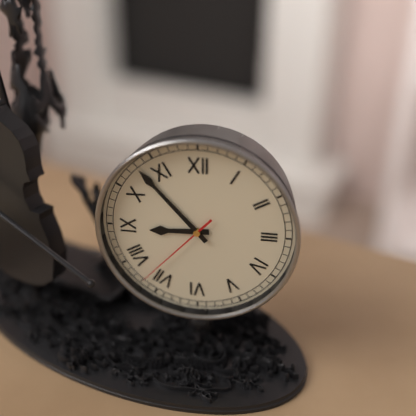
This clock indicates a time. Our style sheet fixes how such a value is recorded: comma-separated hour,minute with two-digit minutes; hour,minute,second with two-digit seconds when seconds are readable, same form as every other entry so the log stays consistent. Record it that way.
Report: 8,53,37
